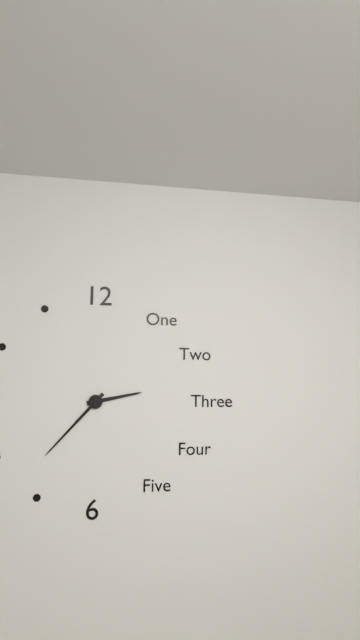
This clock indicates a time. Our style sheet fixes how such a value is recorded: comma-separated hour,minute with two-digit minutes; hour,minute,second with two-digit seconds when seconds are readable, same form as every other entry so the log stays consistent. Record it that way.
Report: 2,37
